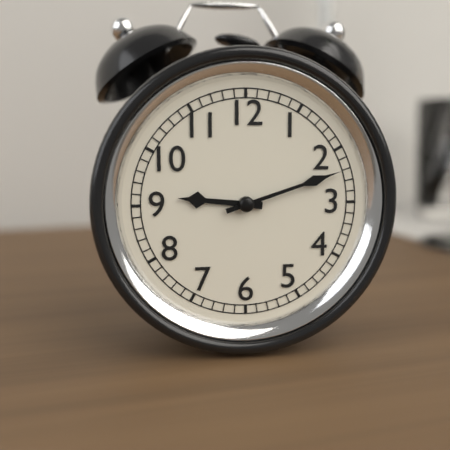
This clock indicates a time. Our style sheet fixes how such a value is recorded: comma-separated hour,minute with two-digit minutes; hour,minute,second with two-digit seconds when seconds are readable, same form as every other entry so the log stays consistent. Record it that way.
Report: 9,12
